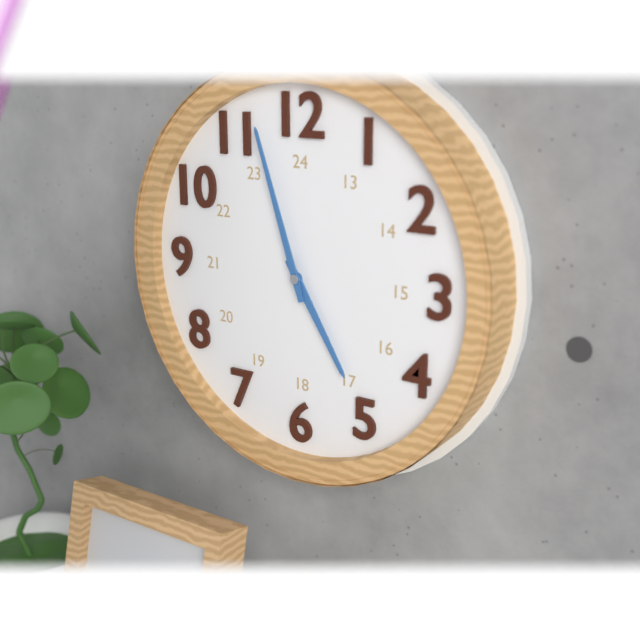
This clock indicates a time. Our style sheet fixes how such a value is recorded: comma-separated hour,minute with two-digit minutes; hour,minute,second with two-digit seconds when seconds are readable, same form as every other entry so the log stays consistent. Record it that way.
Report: 4,57
